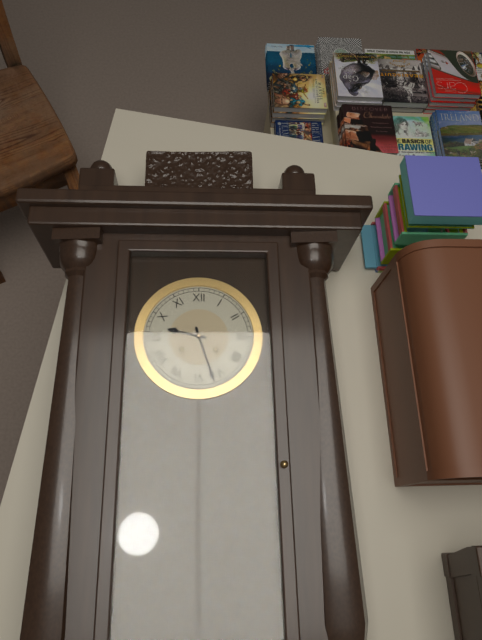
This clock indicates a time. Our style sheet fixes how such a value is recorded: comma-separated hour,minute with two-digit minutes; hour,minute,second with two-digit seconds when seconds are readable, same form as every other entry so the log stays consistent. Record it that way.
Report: 9,27
